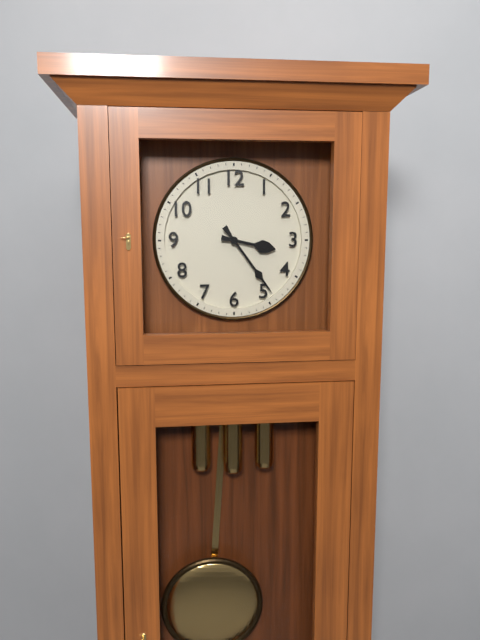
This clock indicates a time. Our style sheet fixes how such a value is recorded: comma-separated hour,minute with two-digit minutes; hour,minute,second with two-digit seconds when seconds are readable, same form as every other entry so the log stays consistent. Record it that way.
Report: 3,24
